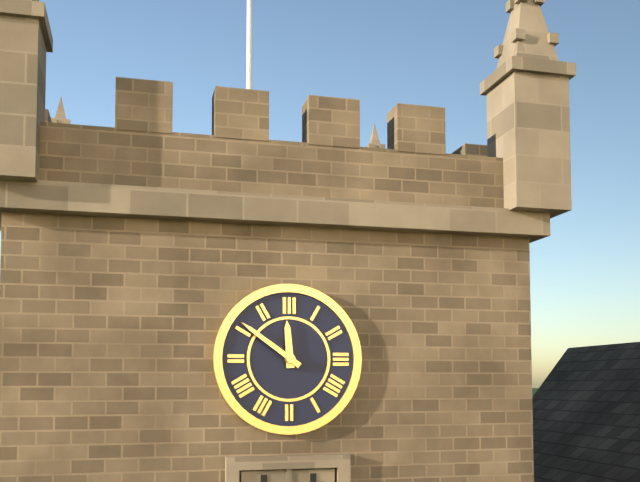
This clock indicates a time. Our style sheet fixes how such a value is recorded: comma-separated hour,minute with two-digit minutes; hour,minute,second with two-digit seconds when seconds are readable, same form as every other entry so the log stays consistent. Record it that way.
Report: 11,51
